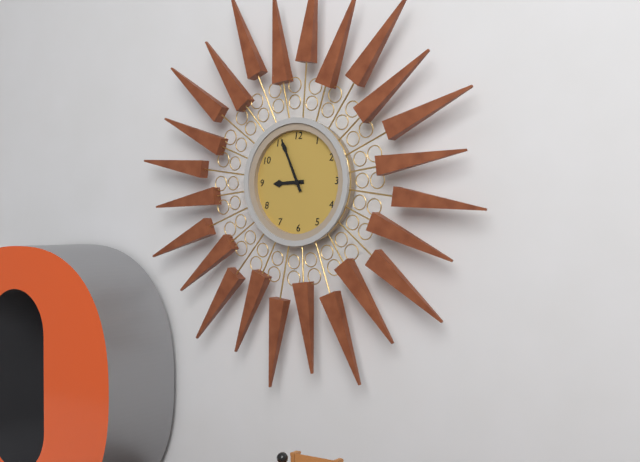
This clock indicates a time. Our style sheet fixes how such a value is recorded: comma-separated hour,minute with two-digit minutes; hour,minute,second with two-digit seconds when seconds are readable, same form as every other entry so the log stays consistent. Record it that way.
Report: 8,56
